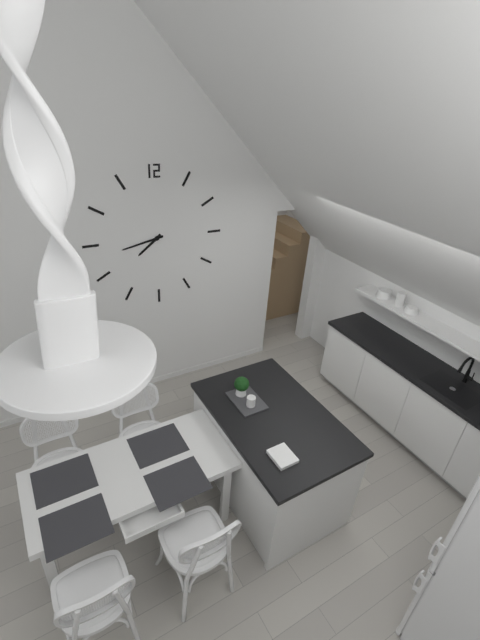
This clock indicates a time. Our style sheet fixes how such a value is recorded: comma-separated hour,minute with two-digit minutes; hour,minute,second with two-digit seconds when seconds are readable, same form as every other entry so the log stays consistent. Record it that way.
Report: 7,43
